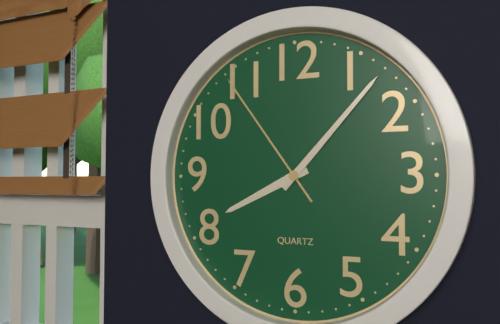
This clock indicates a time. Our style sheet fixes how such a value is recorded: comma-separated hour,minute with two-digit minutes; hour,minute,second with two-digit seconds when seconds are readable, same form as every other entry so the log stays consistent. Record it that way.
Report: 8,07,54
